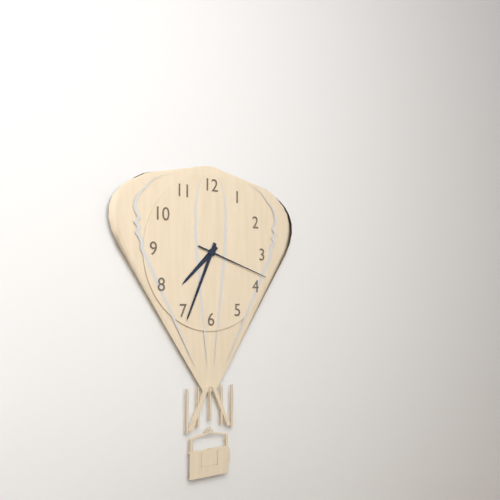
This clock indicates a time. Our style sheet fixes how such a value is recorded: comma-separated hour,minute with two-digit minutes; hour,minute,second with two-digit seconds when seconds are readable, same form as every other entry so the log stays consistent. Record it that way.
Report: 7,34,18
